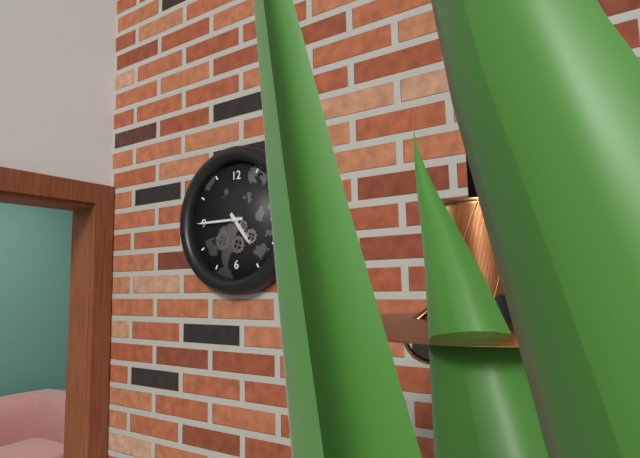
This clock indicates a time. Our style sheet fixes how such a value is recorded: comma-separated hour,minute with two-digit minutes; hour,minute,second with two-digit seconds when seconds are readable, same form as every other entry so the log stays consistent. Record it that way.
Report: 4,45
